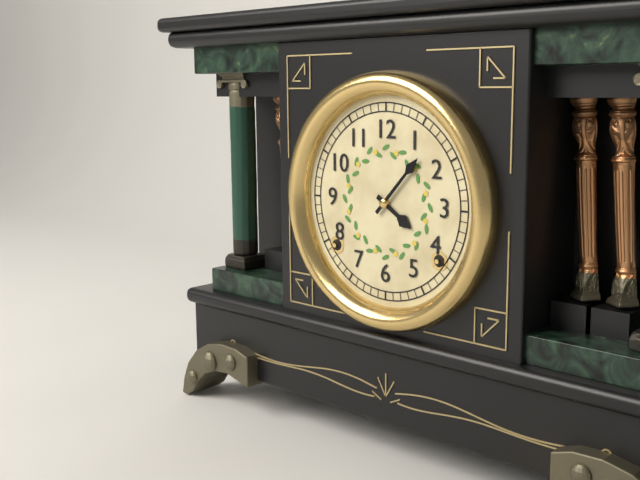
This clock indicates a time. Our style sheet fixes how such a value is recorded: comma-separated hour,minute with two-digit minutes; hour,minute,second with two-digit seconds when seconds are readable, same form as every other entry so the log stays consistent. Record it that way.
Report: 4,07
